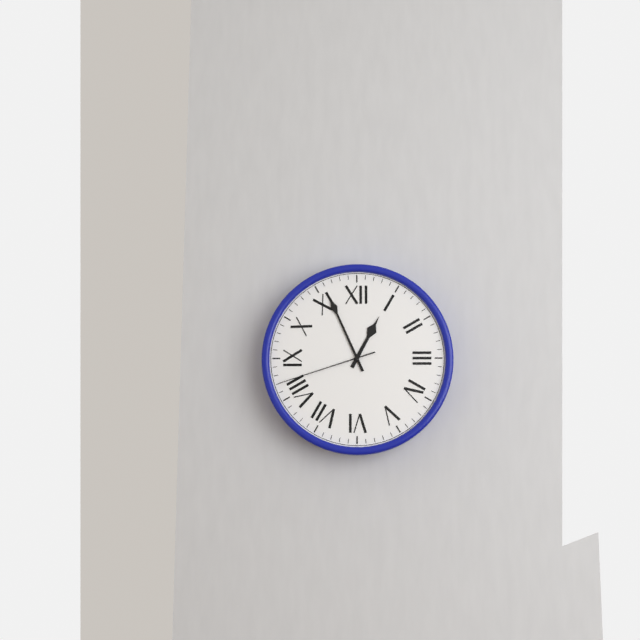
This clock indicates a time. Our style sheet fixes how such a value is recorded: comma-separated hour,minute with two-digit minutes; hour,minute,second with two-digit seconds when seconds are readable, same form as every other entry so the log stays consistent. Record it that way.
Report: 12,56,42
